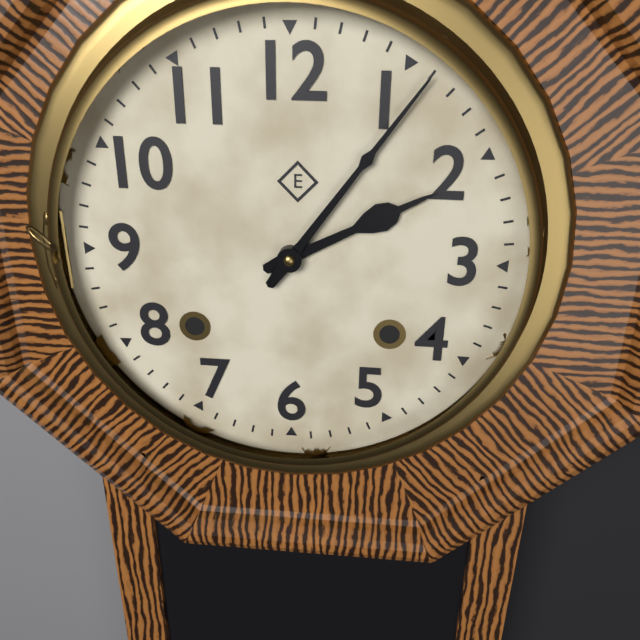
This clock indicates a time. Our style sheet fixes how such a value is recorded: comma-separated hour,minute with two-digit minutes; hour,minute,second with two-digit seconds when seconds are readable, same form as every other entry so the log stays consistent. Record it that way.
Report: 2,06
